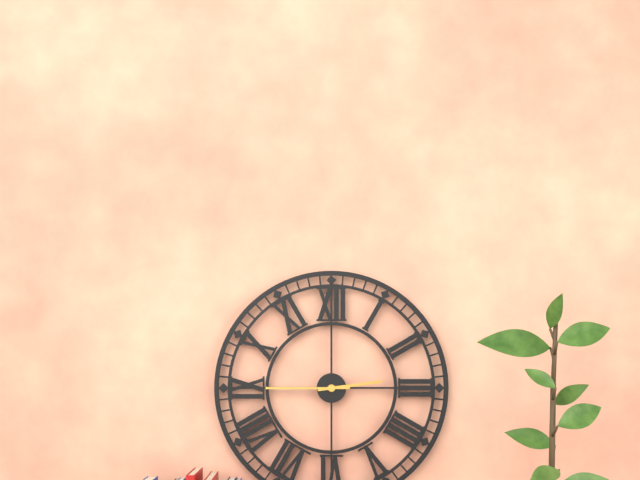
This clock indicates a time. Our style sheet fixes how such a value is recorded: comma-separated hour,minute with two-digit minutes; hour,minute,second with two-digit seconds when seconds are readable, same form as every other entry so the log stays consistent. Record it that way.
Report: 2,45
